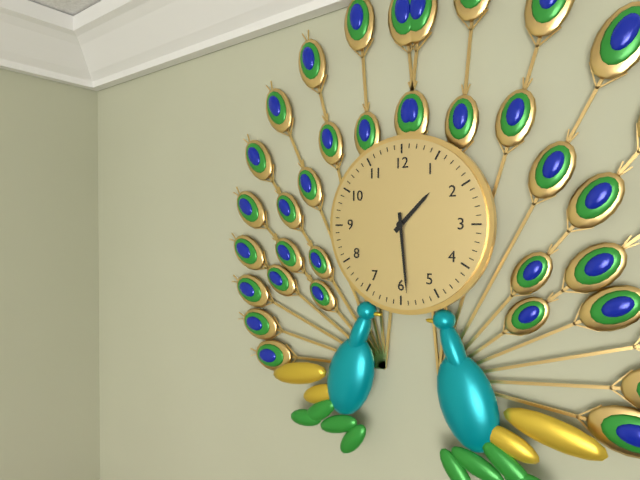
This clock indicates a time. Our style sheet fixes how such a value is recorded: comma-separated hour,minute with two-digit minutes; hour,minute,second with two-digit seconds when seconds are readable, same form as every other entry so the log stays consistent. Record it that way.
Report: 1,29
